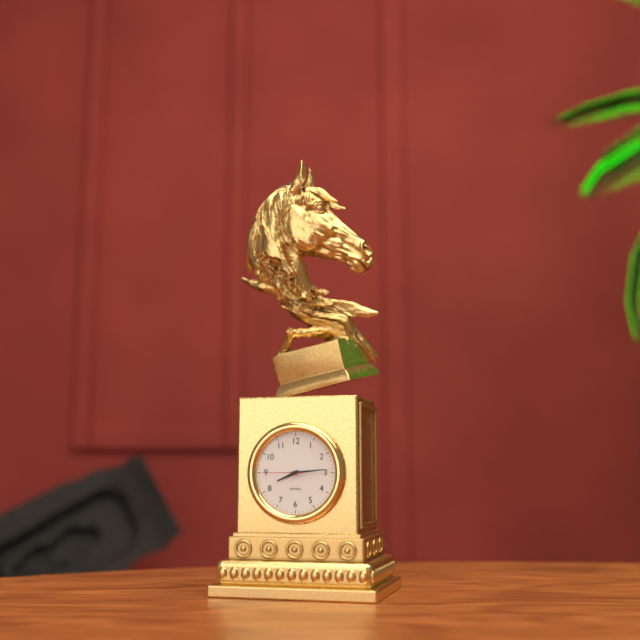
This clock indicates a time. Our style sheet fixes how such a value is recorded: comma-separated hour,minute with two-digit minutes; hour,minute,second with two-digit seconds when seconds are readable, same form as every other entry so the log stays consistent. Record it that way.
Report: 8,14
